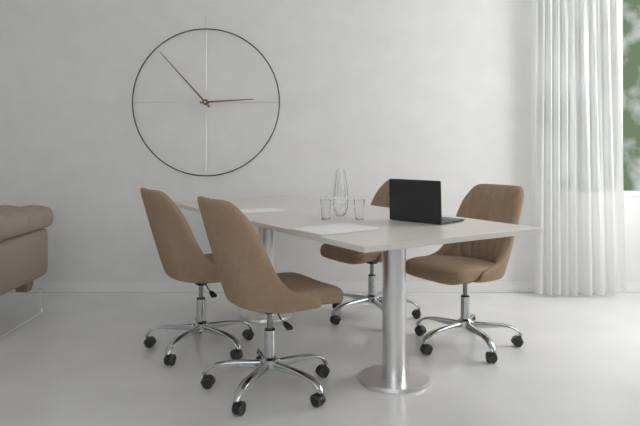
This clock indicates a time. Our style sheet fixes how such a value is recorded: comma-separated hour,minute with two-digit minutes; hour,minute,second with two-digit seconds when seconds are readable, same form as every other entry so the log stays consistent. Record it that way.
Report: 2,53
